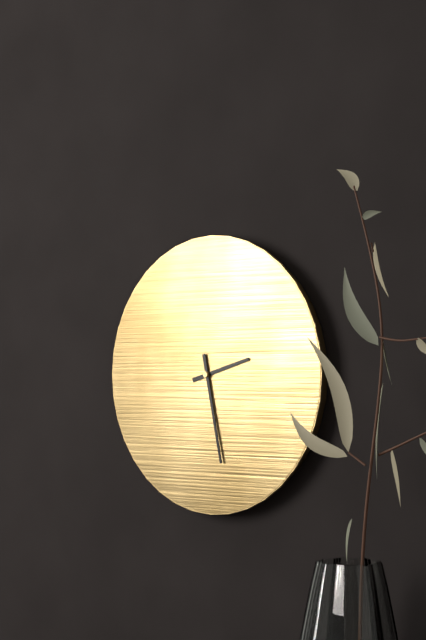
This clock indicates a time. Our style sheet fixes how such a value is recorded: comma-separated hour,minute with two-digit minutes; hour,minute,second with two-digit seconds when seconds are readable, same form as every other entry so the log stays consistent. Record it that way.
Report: 2,28
